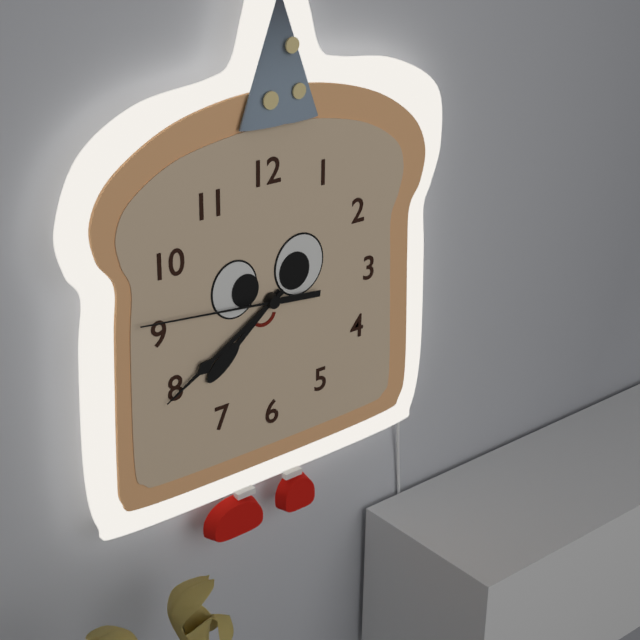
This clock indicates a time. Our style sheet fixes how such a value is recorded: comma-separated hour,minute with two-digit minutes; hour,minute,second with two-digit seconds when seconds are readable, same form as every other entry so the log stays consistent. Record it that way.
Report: 7,40,46
